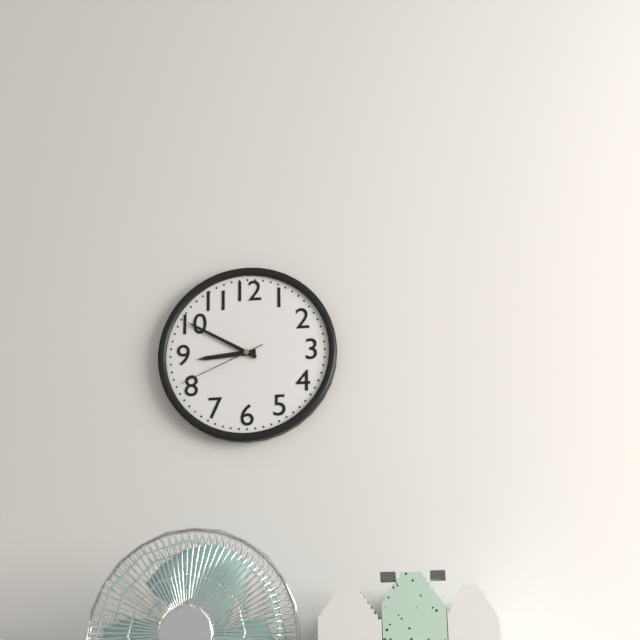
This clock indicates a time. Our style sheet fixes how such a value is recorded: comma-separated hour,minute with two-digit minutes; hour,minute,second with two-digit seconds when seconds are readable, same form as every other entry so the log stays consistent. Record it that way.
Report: 8,50,41
